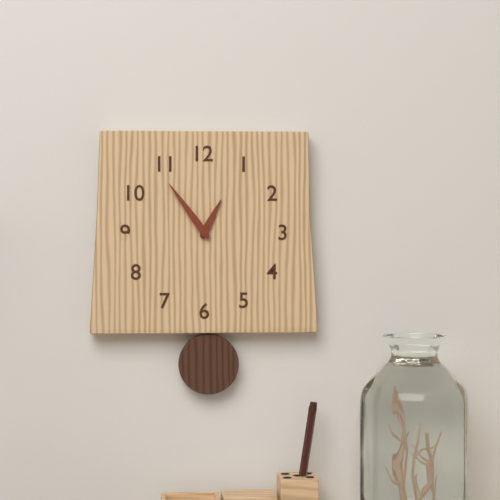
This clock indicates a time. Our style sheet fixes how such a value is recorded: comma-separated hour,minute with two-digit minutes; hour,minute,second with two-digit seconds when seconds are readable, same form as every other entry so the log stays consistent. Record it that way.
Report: 12,54
